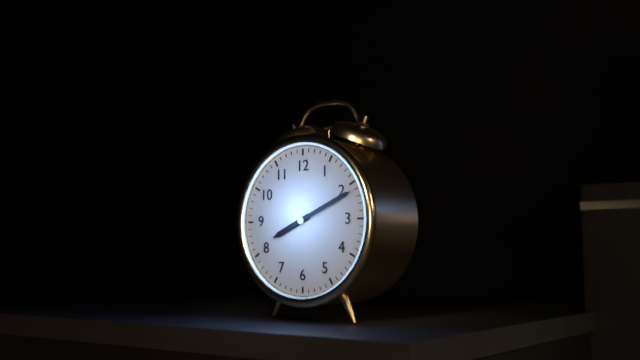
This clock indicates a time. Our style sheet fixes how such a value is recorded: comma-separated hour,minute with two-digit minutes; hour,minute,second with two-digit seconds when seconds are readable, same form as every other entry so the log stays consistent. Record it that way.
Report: 8,11
